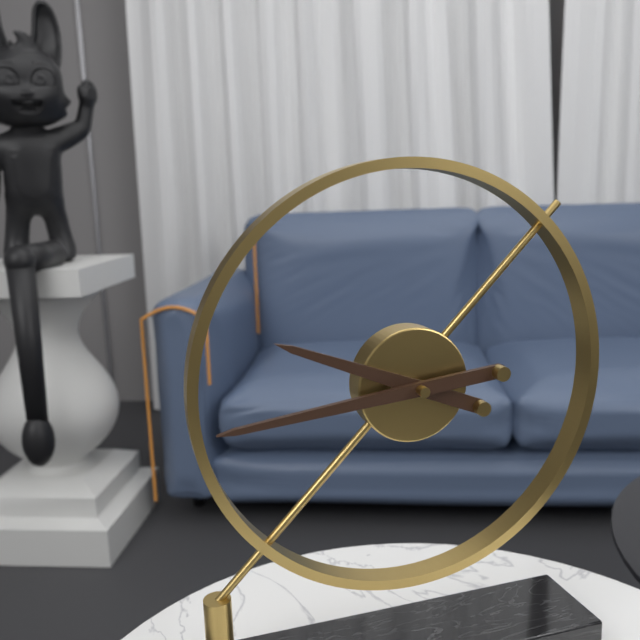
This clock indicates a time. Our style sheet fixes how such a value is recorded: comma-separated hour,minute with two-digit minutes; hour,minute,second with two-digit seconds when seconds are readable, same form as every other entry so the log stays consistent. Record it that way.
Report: 9,44
